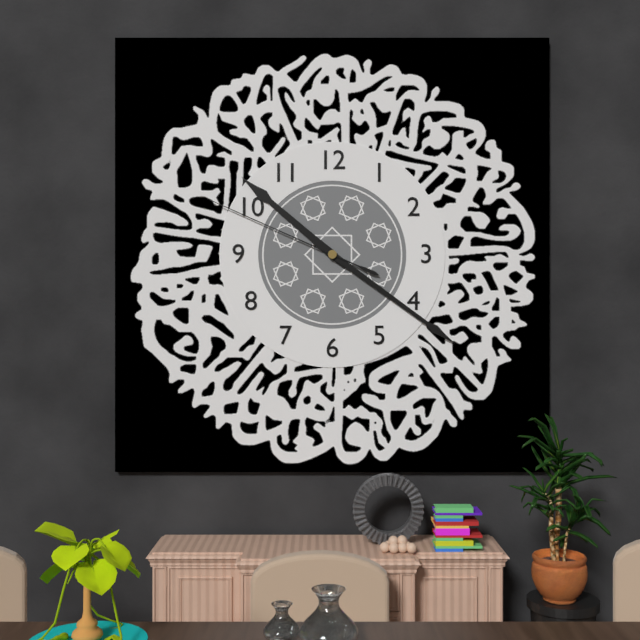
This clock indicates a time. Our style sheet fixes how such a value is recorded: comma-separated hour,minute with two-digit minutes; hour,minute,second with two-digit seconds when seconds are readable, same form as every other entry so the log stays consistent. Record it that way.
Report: 10,21,49
